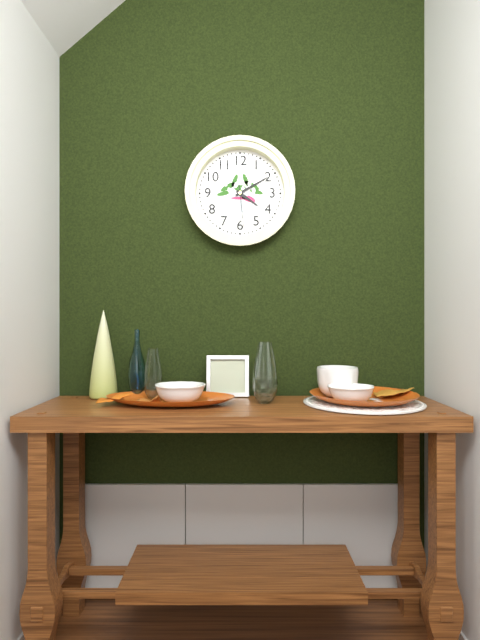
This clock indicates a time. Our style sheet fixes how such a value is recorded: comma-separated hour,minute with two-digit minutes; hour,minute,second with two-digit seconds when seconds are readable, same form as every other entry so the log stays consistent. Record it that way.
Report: 4,10
